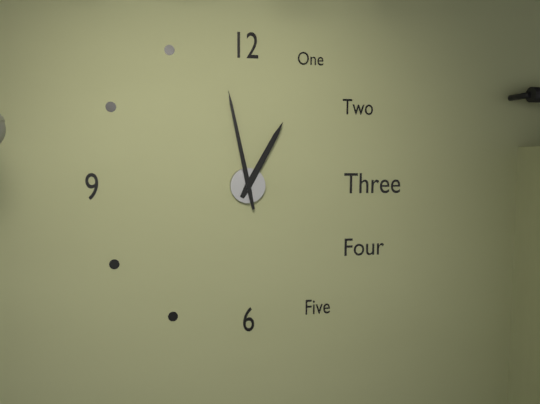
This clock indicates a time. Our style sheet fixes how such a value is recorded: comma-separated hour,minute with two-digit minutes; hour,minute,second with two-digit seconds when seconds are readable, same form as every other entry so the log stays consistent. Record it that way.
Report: 12,58
